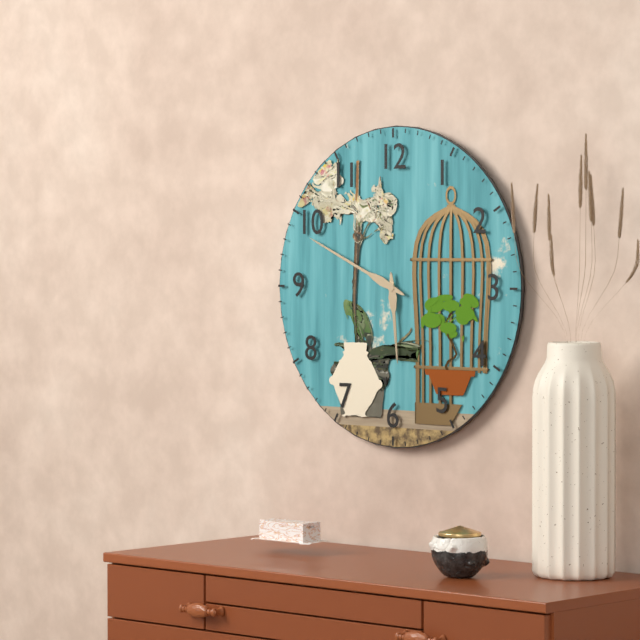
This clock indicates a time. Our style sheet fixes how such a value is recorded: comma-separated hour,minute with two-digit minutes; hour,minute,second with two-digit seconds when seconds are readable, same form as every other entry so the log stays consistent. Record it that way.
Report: 5,49
